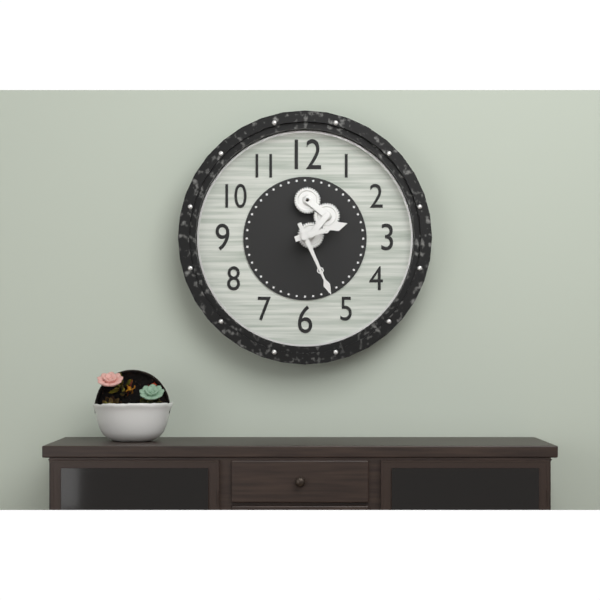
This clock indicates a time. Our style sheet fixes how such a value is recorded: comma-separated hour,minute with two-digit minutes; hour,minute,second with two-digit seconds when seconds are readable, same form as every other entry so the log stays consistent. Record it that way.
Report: 2,26
